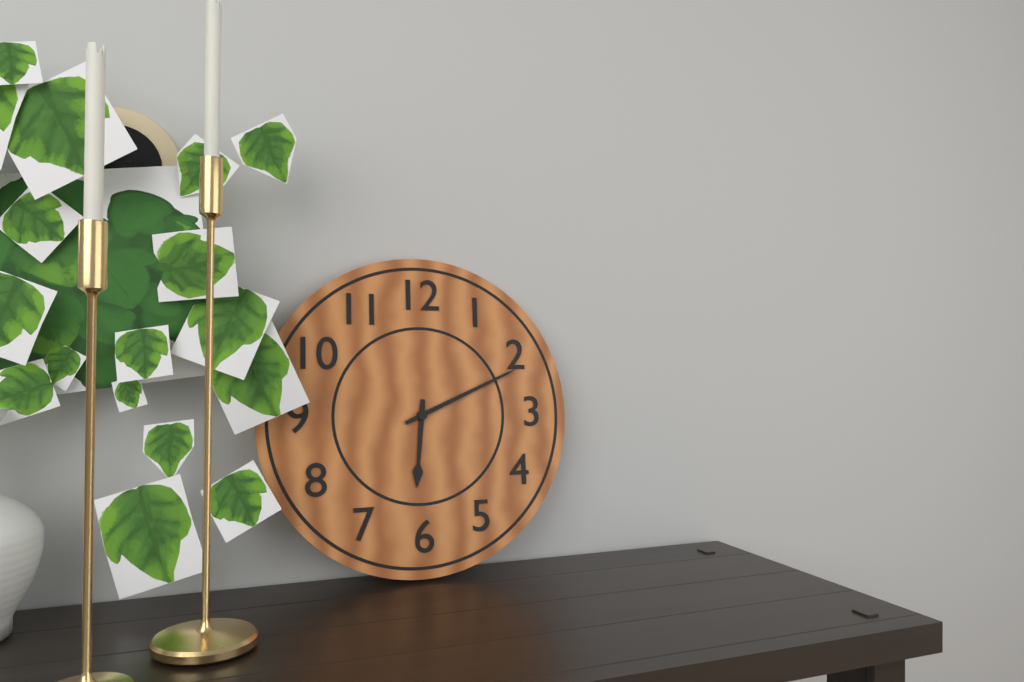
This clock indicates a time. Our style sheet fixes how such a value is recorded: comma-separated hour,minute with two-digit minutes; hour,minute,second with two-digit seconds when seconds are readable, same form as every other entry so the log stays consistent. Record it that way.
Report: 6,11
